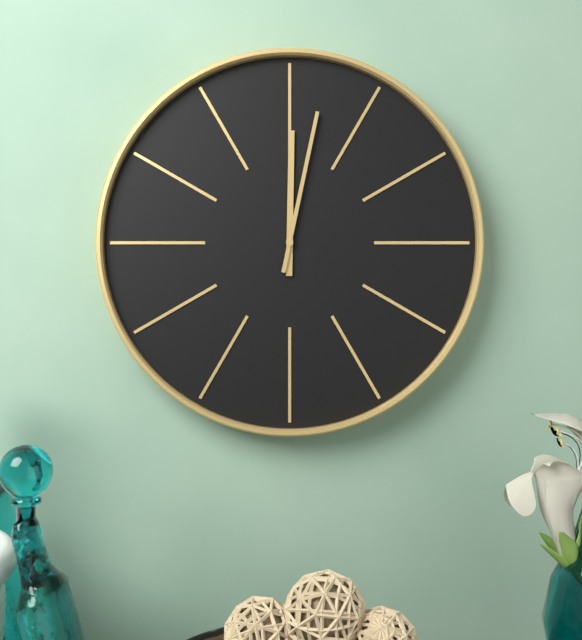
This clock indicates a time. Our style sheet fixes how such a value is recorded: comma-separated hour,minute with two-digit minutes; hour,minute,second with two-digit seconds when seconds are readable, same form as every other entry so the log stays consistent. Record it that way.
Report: 12,02
